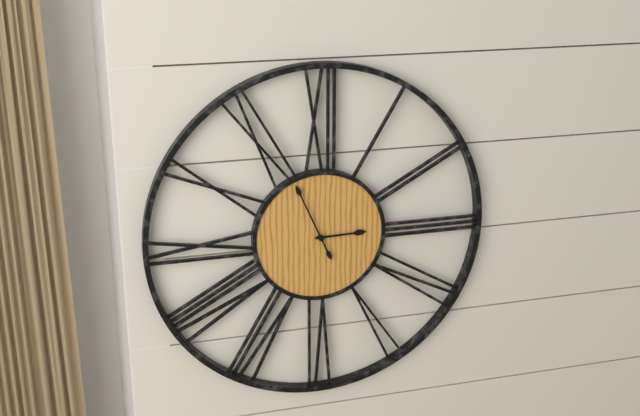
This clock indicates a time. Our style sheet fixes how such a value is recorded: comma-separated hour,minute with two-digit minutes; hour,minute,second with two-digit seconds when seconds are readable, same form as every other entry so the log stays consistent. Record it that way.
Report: 2,56
